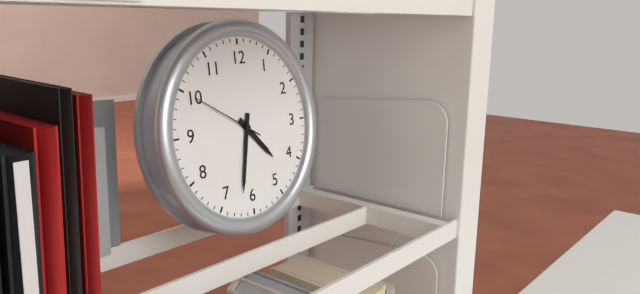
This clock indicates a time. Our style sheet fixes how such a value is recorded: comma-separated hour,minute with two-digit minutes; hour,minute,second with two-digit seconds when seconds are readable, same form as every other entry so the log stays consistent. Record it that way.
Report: 4,32,50
